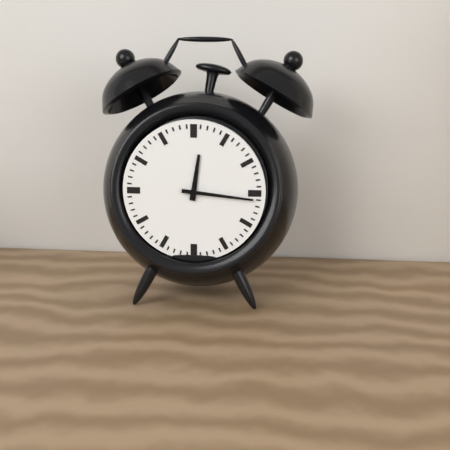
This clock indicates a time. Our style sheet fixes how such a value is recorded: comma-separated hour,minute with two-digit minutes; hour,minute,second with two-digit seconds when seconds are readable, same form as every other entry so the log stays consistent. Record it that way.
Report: 12,16
